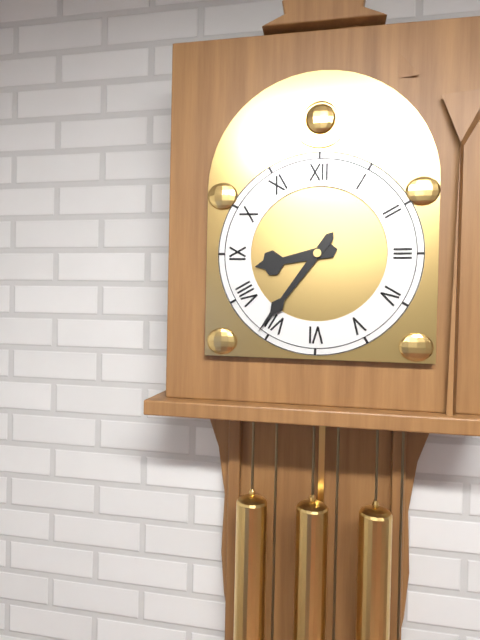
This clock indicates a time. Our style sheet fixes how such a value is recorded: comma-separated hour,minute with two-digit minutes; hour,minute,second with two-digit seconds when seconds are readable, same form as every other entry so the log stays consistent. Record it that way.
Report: 8,36
